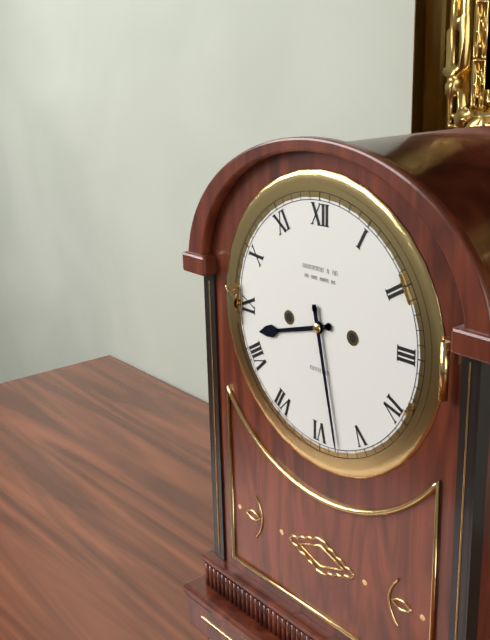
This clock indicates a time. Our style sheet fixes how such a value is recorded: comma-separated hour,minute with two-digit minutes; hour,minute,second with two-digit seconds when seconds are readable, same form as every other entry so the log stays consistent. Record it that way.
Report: 8,28
